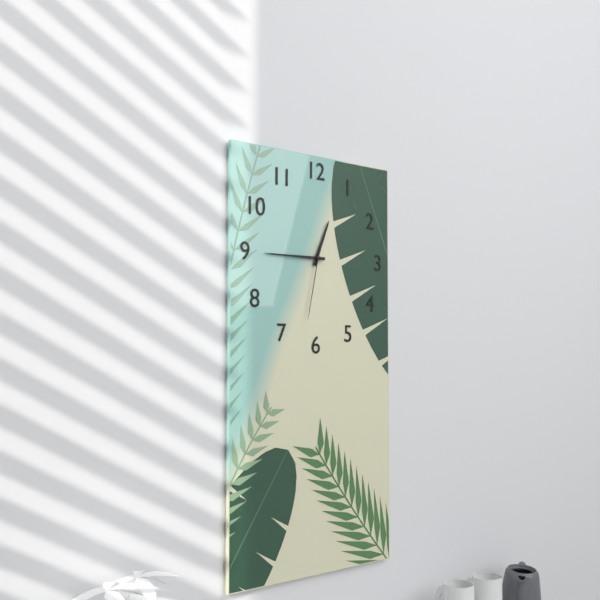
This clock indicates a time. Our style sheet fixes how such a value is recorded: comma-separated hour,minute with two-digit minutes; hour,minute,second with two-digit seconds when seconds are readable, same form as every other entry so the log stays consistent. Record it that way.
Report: 12,45,32
